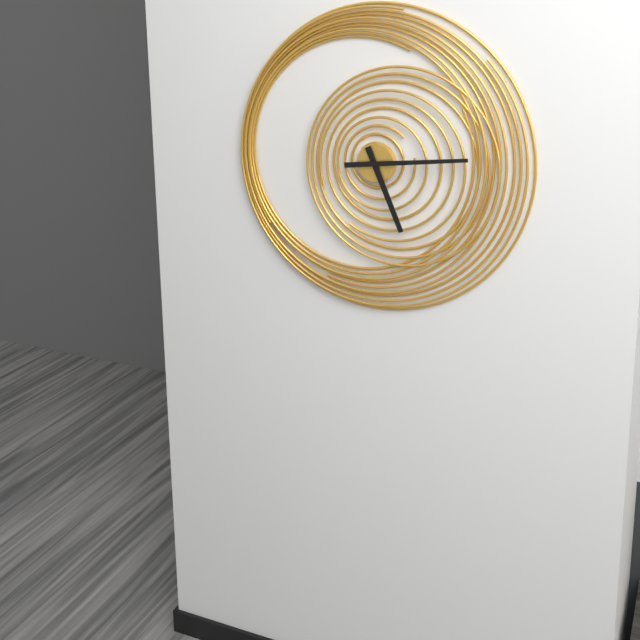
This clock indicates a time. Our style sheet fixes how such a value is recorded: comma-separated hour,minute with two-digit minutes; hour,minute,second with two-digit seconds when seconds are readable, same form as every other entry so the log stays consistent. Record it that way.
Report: 5,14
